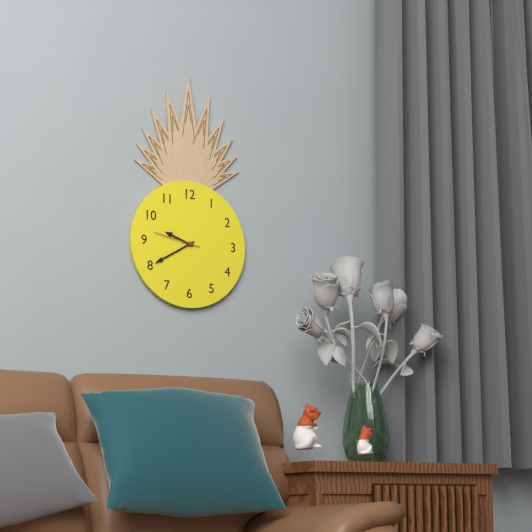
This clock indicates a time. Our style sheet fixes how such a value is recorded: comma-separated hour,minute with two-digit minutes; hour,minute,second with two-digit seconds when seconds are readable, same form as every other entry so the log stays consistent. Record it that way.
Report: 9,40
